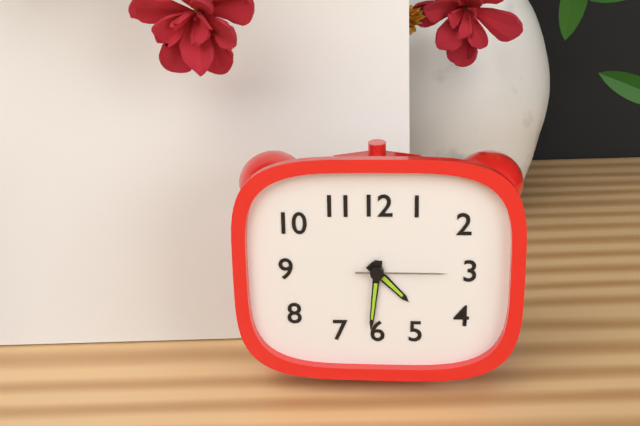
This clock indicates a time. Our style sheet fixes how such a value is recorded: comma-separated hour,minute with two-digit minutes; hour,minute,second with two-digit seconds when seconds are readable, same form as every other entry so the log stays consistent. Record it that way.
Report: 4,31,15
